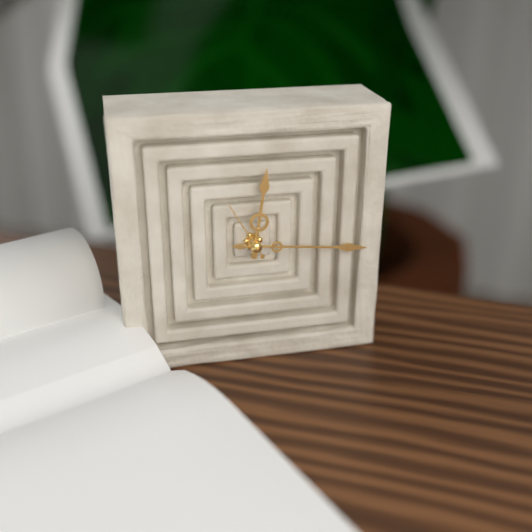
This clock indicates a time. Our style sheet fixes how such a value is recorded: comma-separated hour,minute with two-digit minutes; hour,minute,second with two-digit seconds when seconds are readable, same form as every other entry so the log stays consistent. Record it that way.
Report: 12,16,55
